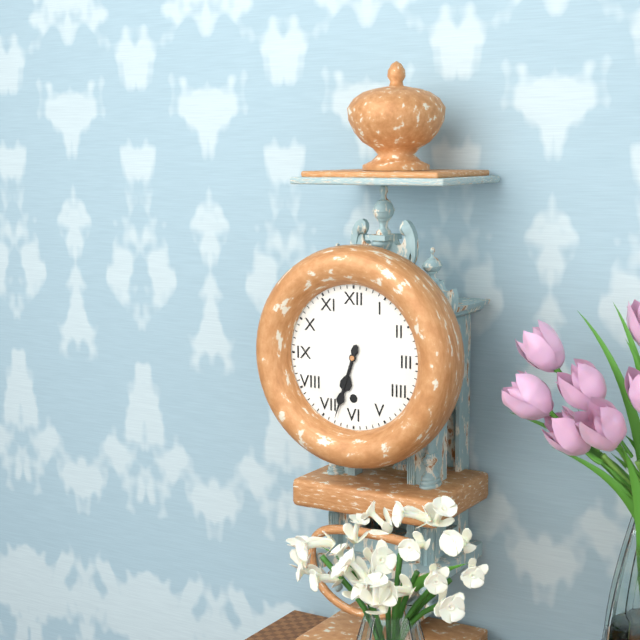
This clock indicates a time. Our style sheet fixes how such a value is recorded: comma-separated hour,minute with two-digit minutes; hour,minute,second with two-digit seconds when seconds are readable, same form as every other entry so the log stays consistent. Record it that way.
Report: 6,33
